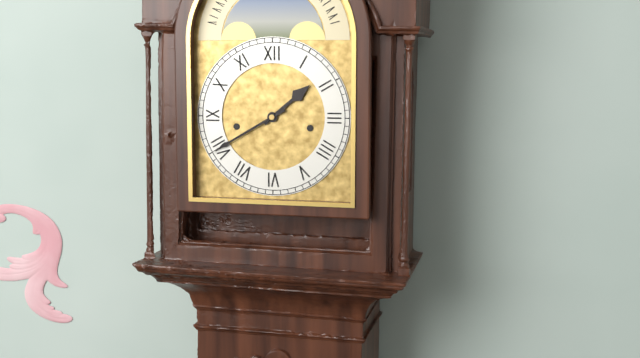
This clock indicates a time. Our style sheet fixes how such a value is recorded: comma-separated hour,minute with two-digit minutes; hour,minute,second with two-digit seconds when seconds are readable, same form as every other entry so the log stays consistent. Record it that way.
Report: 1,40
